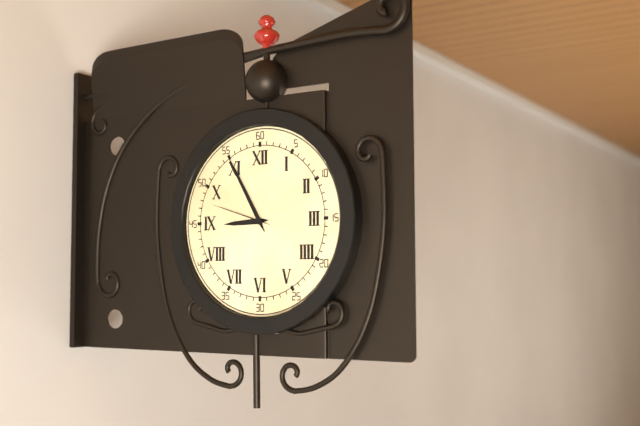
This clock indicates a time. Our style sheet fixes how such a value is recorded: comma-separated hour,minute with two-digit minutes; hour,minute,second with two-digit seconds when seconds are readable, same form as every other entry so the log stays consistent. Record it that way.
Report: 8,55,48
